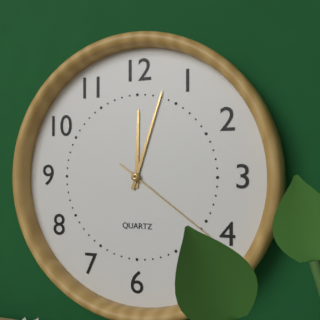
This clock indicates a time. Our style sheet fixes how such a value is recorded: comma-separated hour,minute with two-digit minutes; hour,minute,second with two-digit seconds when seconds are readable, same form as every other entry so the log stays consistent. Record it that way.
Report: 12,03,21
